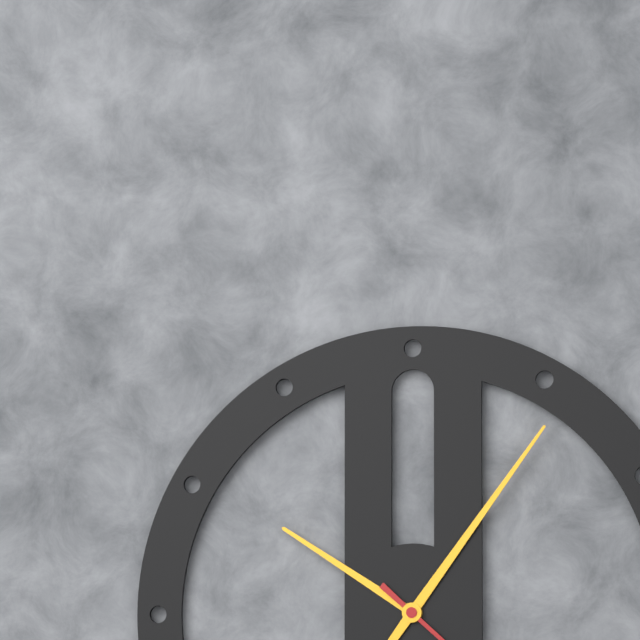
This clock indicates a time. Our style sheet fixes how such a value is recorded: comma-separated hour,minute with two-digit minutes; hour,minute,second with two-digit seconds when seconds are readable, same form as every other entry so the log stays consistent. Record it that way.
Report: 10,06
